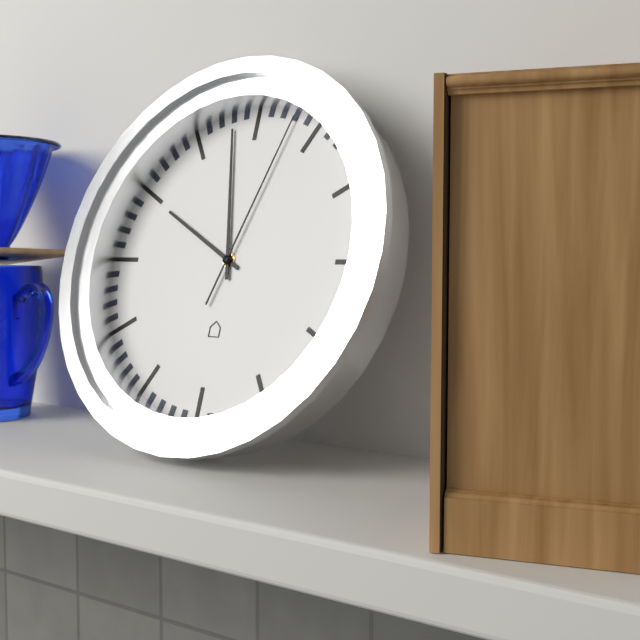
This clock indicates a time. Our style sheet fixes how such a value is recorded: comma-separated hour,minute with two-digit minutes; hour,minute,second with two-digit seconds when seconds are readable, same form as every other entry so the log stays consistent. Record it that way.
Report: 9,58,03
